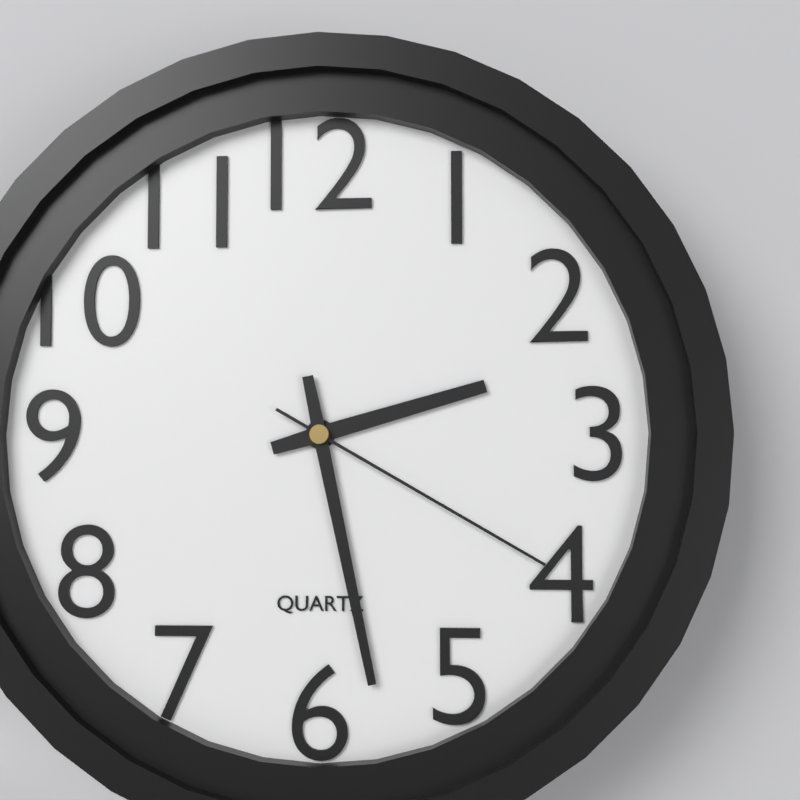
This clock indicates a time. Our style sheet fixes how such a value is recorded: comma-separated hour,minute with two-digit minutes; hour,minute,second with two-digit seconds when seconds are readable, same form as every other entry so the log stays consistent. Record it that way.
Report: 2,28,20
